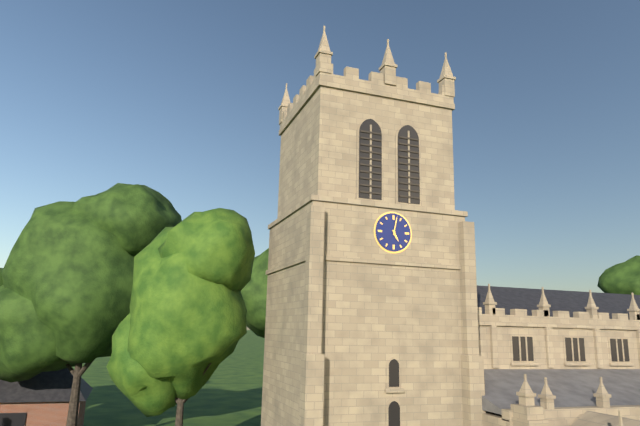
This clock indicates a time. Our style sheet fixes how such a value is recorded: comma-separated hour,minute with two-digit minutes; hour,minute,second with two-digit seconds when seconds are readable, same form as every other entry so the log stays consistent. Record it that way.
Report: 5,02
